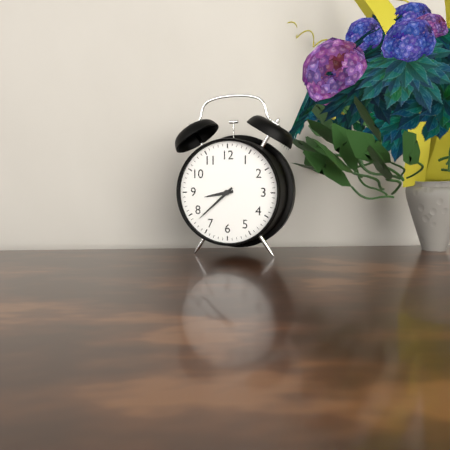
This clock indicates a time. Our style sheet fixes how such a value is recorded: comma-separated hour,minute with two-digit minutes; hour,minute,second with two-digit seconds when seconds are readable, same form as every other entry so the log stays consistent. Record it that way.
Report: 8,38
